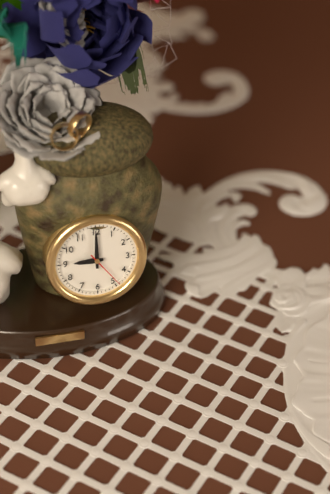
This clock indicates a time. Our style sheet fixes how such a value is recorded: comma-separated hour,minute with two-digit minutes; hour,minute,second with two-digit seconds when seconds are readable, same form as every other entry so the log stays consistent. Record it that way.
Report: 9,00
